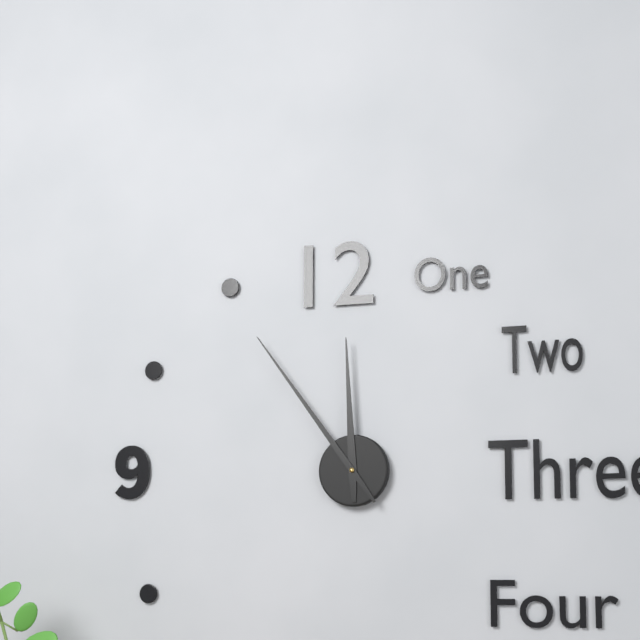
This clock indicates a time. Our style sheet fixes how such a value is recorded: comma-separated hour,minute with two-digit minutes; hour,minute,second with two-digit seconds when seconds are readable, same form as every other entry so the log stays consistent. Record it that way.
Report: 11,54
